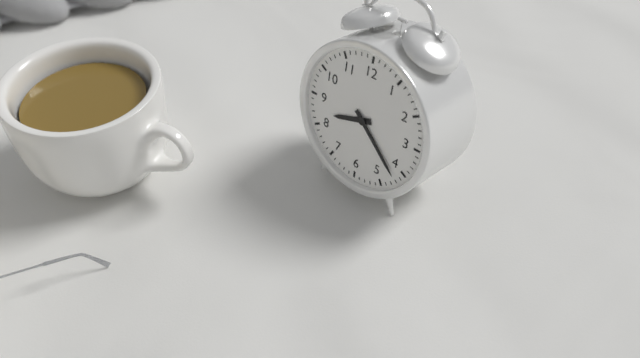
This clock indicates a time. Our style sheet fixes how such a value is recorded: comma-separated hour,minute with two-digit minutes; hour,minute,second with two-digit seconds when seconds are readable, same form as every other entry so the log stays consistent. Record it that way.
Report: 8,22
